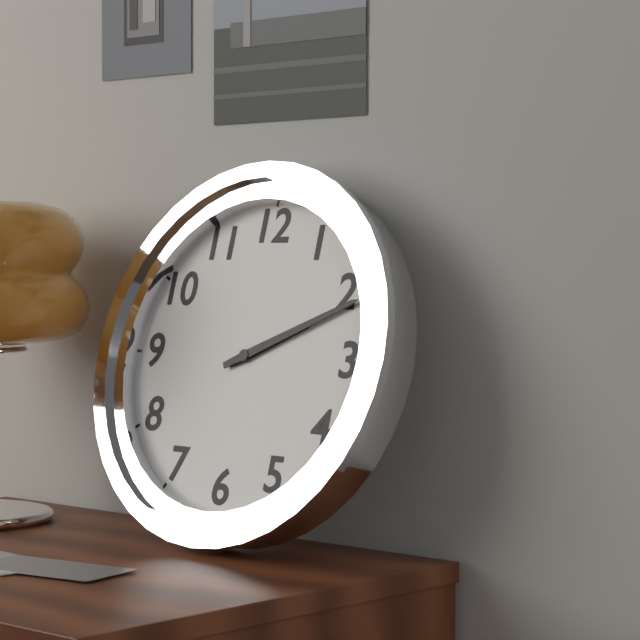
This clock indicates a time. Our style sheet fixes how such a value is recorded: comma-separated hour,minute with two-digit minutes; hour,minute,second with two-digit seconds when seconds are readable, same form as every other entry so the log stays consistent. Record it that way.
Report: 2,11
